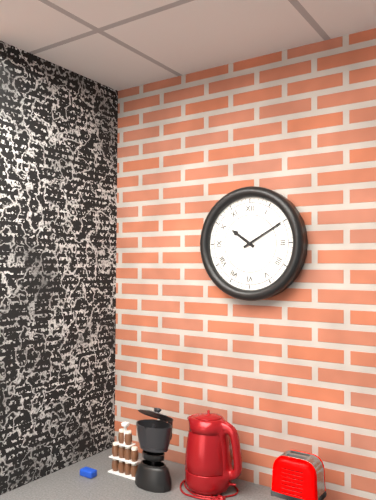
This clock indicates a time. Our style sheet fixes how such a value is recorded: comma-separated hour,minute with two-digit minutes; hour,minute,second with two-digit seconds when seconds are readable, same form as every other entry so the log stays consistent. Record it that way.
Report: 10,10
